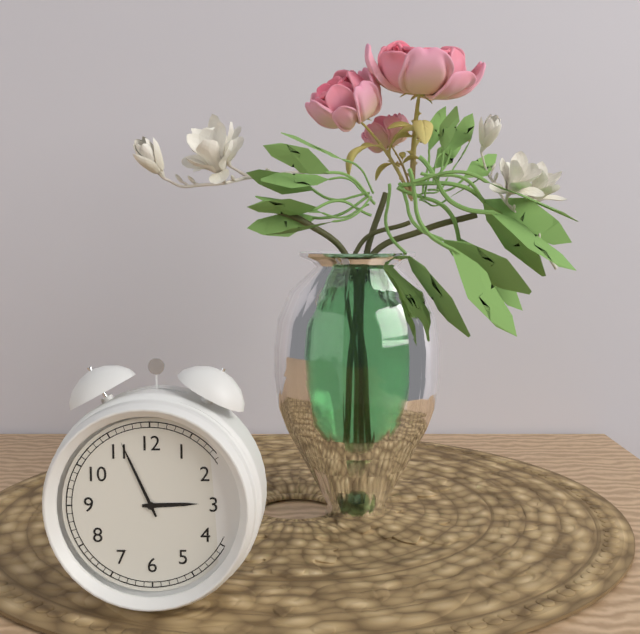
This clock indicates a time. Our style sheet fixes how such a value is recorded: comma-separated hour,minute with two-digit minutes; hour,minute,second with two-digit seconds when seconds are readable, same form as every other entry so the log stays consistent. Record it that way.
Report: 2,56
